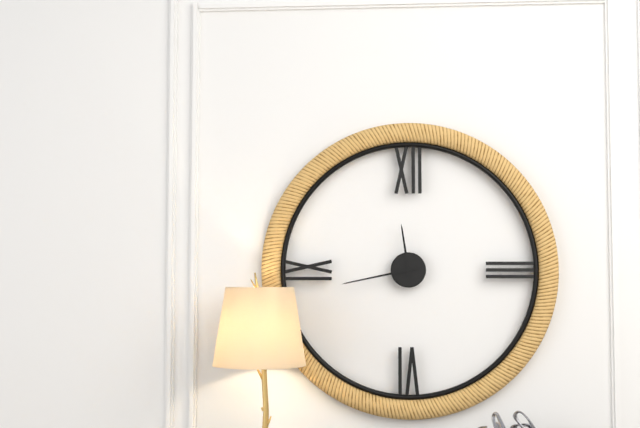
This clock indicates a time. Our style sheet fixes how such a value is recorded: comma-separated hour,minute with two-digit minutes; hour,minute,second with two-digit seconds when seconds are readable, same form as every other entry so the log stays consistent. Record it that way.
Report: 11,43
